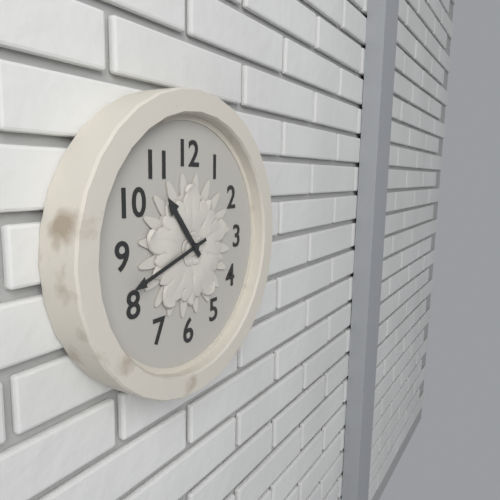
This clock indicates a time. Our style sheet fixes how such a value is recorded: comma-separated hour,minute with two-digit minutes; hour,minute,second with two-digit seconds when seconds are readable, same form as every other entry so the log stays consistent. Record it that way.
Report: 10,42
